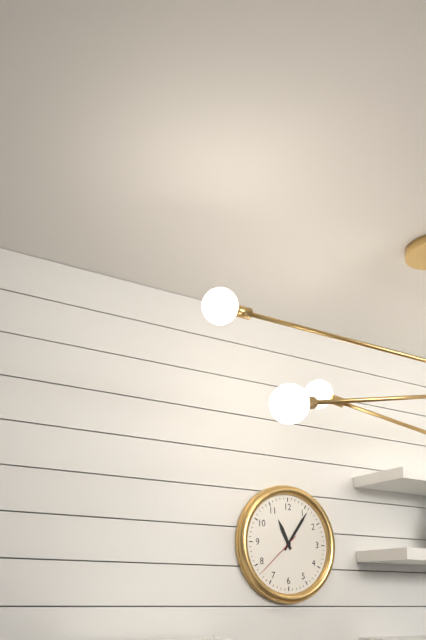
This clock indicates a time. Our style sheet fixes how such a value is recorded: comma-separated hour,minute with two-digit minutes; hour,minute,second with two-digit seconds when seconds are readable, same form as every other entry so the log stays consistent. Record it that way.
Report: 11,06
